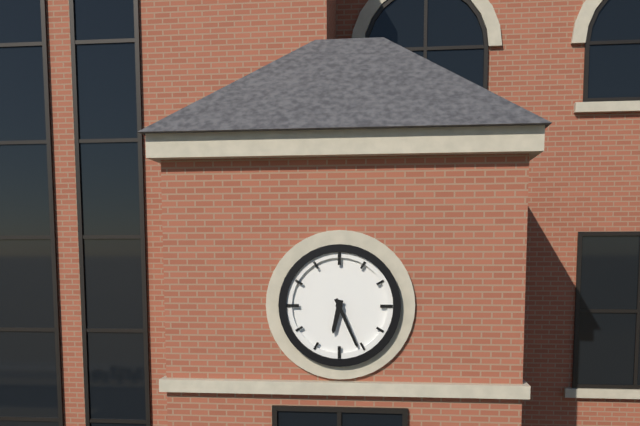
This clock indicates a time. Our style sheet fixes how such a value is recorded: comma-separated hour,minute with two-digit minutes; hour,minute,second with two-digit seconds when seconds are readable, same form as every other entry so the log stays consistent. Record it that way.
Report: 6,26
